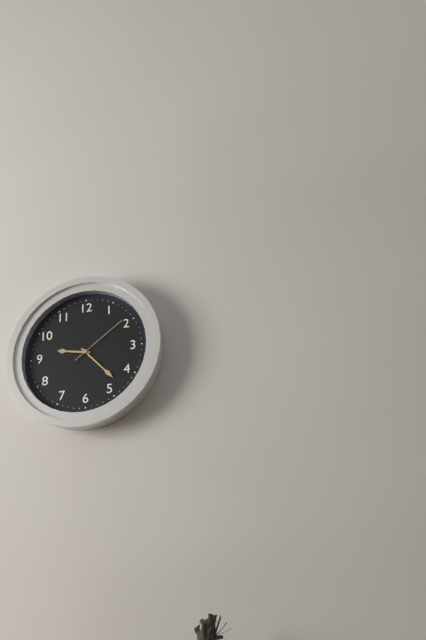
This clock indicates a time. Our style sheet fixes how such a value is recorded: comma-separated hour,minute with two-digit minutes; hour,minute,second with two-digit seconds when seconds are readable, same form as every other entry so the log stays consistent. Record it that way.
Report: 9,23,09
